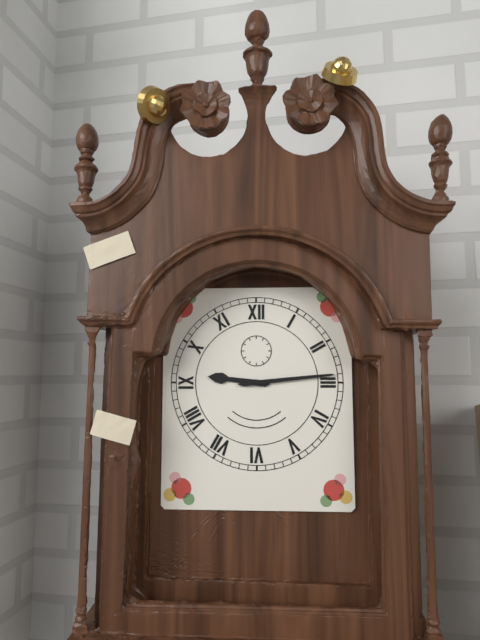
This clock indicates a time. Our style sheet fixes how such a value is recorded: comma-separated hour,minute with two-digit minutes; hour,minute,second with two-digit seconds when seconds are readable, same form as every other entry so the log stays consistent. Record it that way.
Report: 9,14
